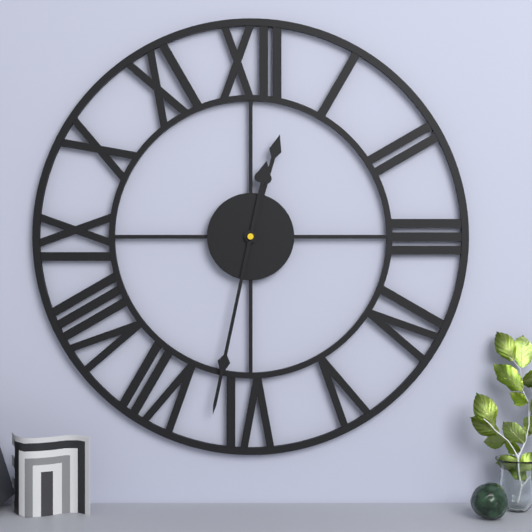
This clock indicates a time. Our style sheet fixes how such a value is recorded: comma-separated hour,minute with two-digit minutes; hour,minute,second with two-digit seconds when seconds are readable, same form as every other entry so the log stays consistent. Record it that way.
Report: 12,32
